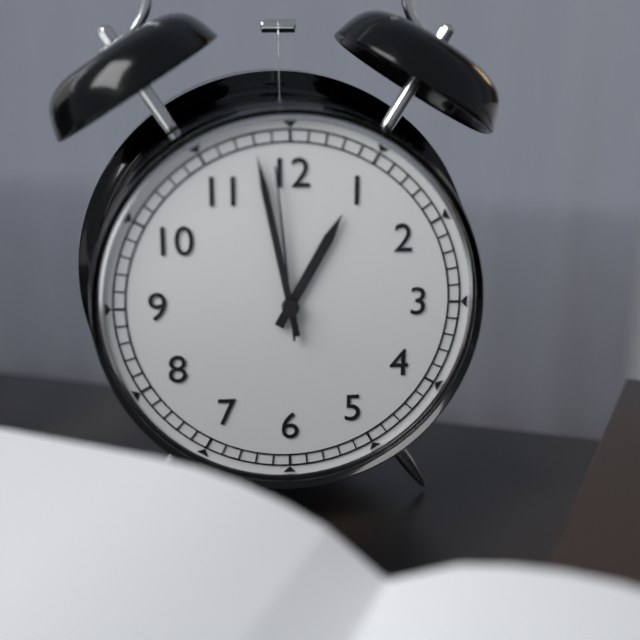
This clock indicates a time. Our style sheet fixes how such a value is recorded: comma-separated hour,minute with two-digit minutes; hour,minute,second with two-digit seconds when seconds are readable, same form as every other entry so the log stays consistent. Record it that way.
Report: 12,58,59
